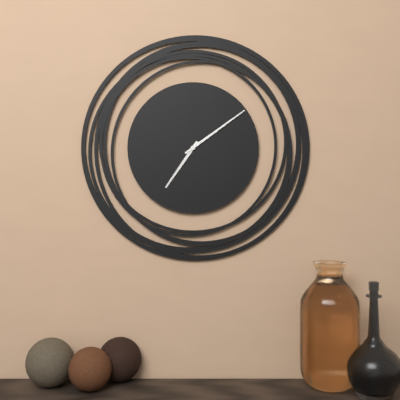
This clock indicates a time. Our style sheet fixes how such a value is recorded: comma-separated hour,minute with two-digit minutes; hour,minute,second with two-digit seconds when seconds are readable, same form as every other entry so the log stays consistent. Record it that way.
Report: 7,09
